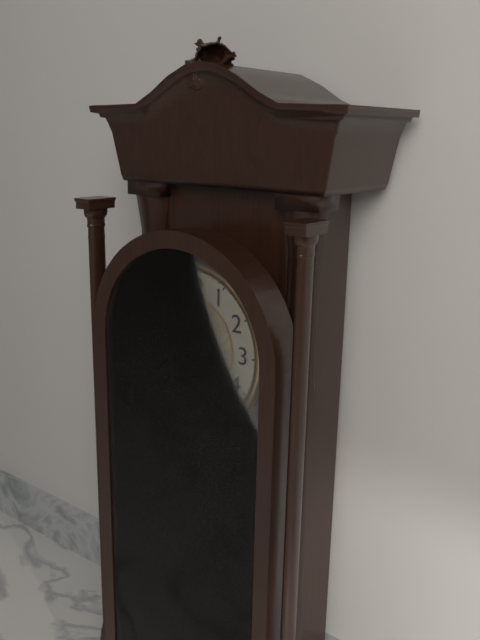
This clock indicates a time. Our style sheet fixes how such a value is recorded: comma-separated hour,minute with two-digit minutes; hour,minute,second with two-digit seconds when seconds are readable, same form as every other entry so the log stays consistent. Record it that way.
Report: 7,47,58
